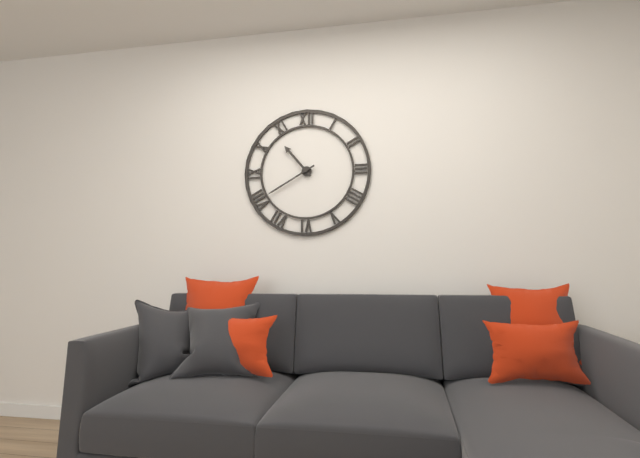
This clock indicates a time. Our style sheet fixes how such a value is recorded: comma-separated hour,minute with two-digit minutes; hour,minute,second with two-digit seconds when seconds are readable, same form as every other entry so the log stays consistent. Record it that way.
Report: 10,40
